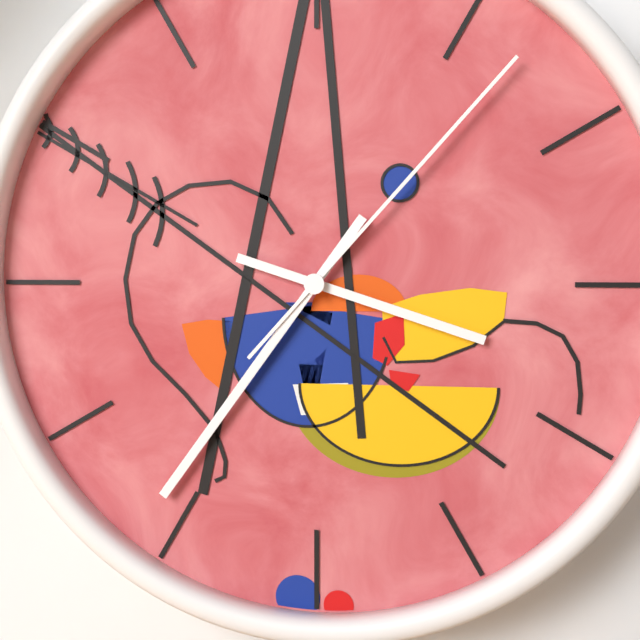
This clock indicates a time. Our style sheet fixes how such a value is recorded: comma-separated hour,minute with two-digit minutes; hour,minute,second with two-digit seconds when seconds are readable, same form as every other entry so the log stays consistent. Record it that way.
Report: 3,36,07
